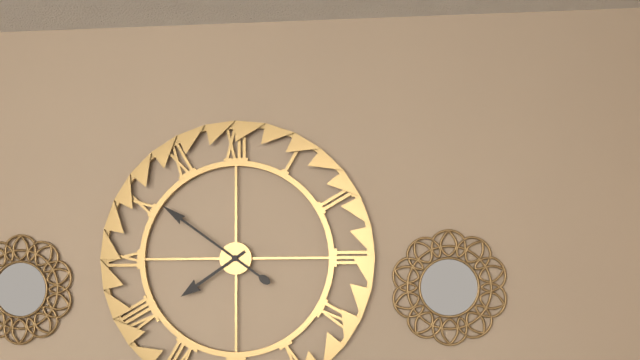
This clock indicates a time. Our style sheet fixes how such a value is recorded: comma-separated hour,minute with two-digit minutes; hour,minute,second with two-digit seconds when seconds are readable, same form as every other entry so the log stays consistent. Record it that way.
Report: 7,51
